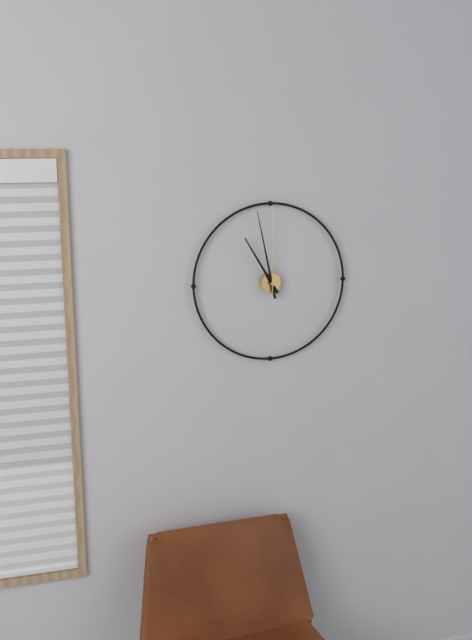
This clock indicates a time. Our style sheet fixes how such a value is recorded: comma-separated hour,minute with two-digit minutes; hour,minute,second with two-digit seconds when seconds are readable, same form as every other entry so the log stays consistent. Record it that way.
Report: 10,58,00
